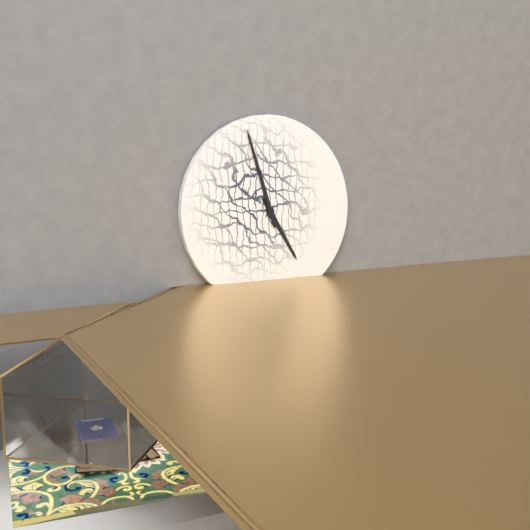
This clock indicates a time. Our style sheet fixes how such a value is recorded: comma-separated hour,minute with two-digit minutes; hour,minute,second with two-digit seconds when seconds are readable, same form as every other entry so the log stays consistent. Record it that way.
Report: 4,57
